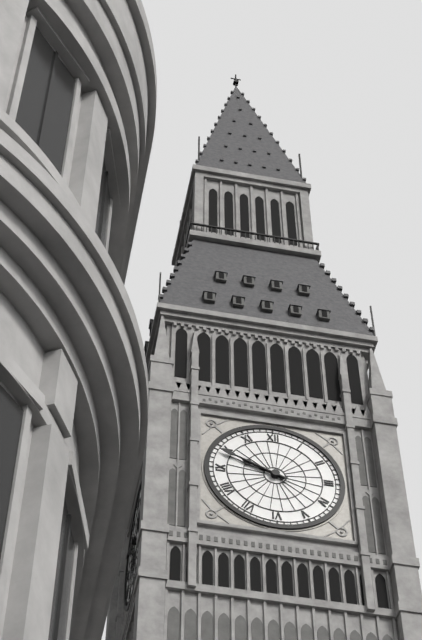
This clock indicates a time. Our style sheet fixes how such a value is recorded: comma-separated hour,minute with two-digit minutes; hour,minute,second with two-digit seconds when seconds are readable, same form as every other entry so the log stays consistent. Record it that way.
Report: 9,49
